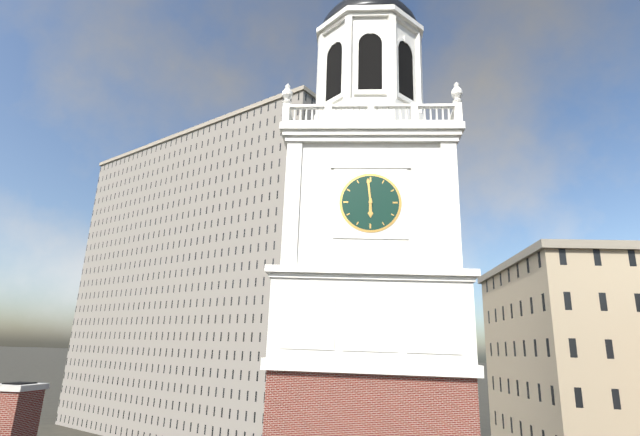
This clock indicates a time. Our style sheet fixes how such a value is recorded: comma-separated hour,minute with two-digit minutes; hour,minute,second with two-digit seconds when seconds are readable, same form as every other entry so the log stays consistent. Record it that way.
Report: 5,59
